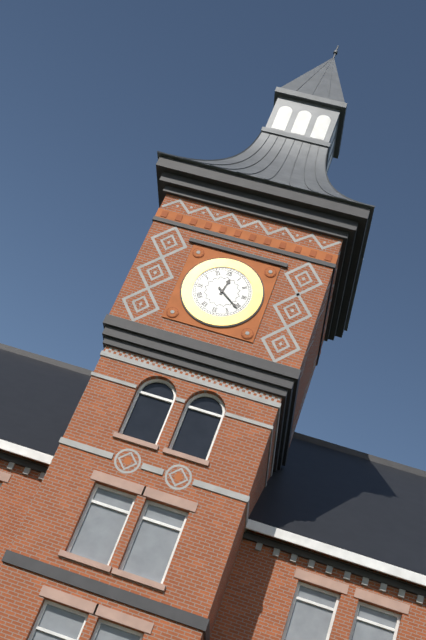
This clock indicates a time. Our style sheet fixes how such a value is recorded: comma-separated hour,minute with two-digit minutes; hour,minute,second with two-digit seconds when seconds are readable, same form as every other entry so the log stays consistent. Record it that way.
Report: 12,21
